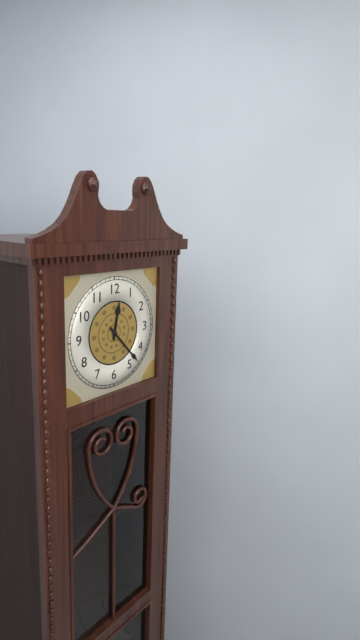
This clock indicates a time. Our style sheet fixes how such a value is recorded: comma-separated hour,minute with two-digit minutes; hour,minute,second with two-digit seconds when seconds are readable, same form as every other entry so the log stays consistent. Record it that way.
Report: 12,23
